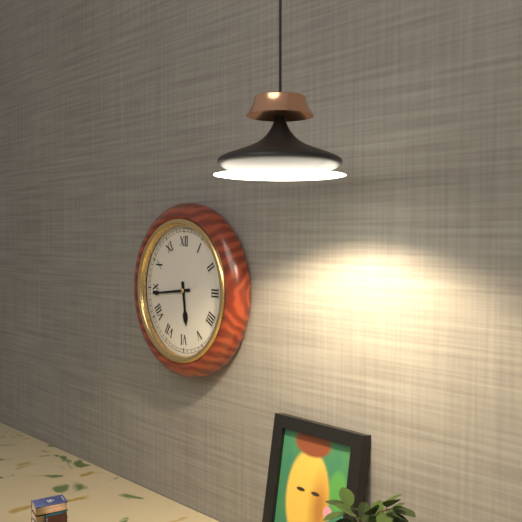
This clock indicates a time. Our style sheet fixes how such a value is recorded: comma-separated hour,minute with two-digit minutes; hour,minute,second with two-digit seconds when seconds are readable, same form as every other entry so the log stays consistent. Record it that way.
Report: 5,44
